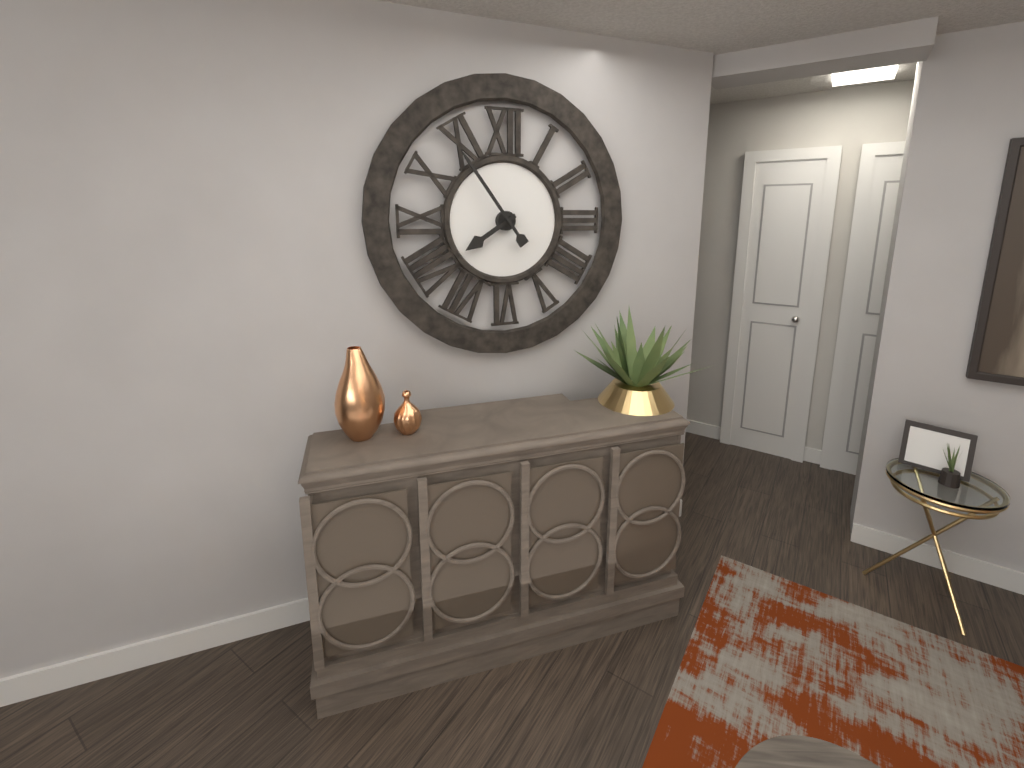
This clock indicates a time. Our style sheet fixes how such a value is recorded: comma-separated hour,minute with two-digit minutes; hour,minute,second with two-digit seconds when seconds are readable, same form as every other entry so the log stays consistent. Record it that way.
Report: 7,54
